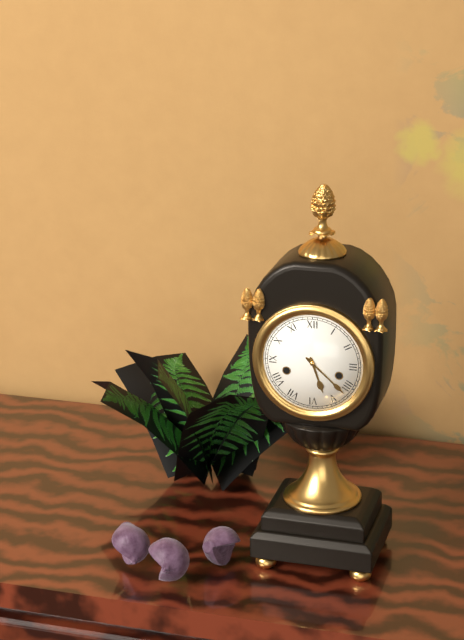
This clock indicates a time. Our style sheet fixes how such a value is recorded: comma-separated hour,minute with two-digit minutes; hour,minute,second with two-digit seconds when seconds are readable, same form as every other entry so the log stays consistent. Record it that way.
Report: 5,22
